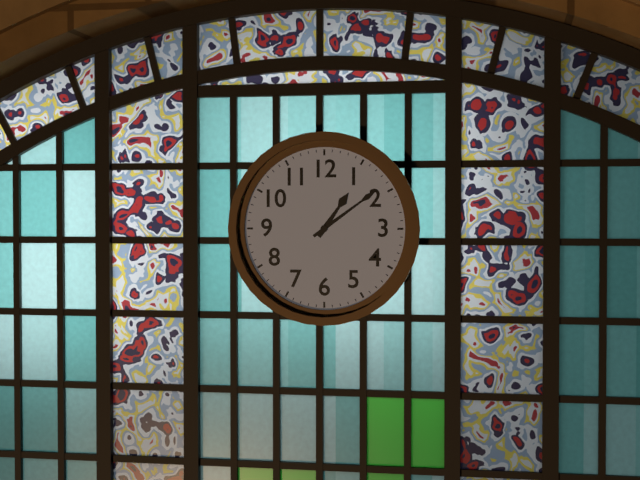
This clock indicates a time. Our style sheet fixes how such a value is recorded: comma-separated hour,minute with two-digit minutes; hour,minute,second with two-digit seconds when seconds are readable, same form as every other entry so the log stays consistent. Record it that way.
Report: 1,09
